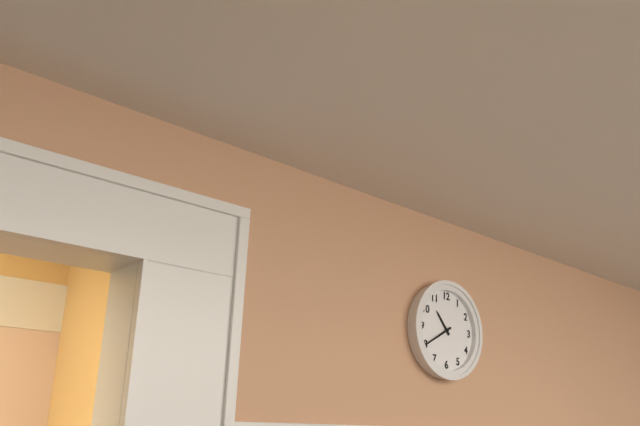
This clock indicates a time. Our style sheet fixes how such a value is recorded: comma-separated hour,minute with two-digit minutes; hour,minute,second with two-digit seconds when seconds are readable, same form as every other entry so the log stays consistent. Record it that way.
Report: 10,40
